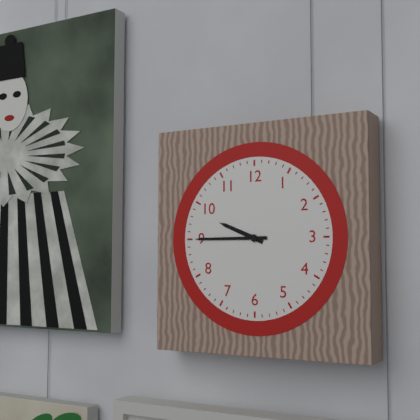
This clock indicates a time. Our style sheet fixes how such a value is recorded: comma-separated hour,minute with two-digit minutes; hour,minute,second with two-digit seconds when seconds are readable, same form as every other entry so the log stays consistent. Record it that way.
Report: 9,45
